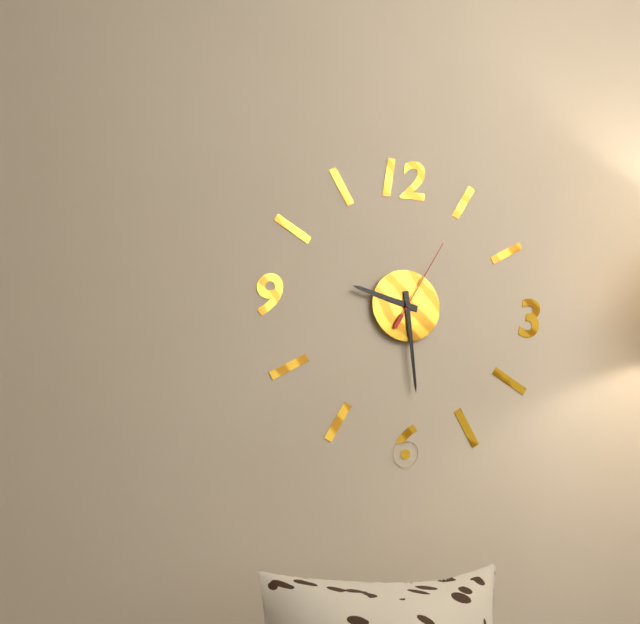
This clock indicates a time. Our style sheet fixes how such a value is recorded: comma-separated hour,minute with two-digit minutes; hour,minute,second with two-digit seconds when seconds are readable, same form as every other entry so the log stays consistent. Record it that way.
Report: 9,29,05
